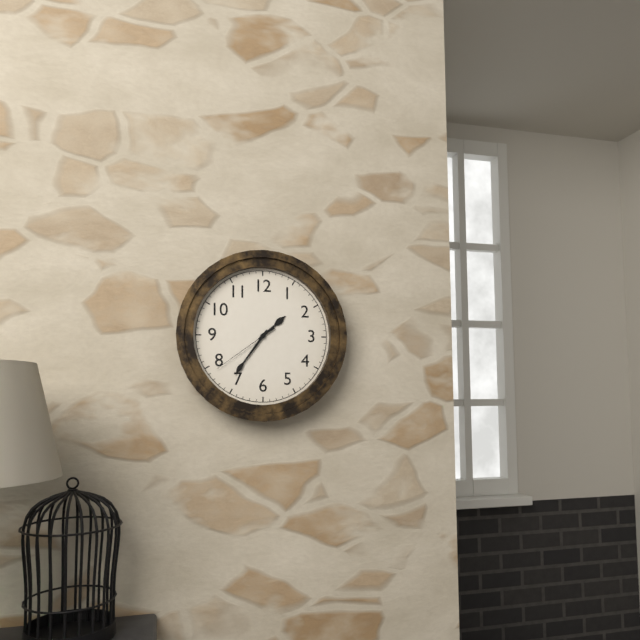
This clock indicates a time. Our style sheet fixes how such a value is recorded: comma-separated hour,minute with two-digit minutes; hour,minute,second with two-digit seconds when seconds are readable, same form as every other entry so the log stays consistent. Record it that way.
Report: 1,36,39
